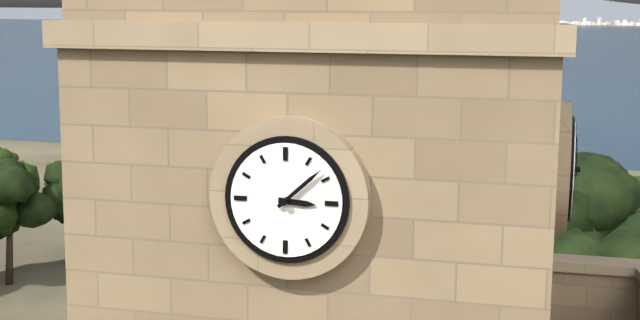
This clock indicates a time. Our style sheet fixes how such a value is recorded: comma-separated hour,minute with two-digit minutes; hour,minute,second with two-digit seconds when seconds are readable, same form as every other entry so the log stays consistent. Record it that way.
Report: 3,08
